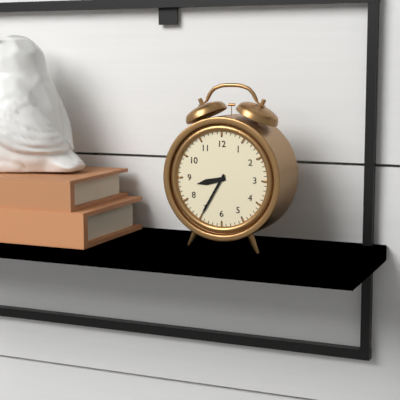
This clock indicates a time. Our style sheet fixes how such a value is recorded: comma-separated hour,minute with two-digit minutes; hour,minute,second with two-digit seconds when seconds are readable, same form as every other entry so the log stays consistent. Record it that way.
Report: 8,35
